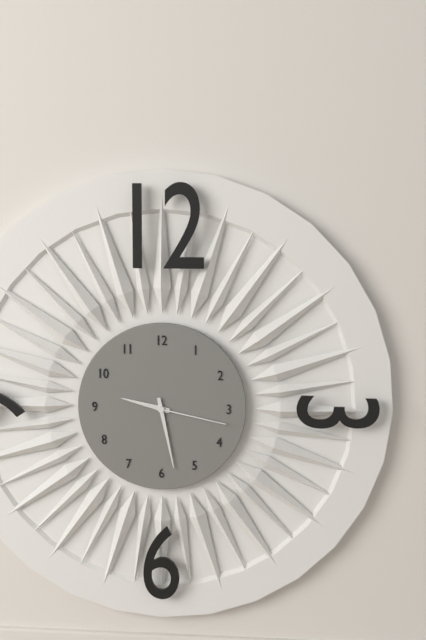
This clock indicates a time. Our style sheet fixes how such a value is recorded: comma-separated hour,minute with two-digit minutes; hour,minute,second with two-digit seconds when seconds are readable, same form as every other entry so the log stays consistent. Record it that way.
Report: 9,28,17
